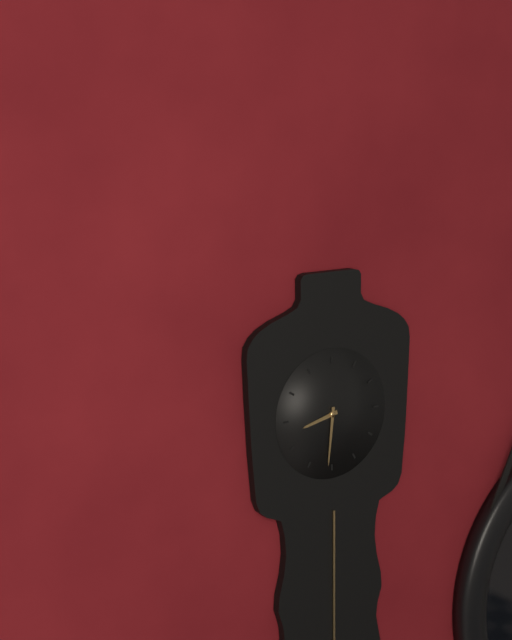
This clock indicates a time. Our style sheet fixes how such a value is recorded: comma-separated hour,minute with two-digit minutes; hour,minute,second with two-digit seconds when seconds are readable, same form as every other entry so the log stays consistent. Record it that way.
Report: 8,31
